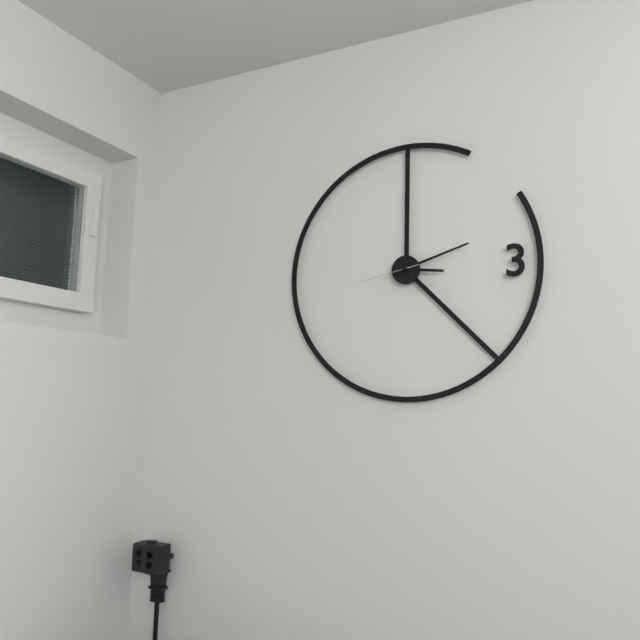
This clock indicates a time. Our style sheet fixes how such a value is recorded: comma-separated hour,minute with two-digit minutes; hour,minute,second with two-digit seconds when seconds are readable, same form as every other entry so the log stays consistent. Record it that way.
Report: 3,12,43
